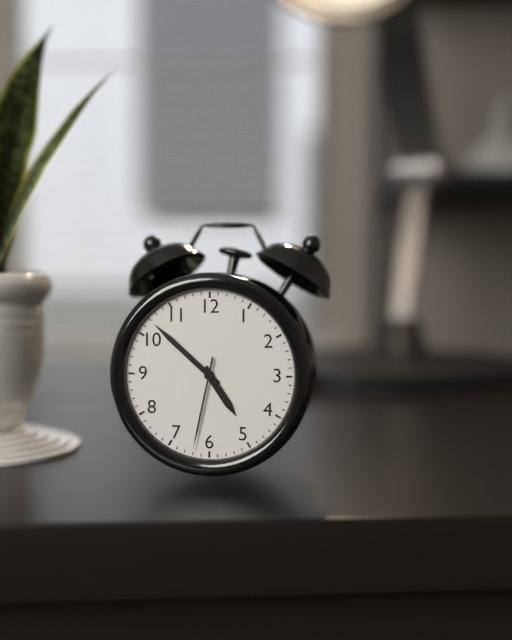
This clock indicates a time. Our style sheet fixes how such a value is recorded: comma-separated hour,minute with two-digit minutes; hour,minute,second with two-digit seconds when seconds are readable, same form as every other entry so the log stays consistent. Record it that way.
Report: 4,52,32
